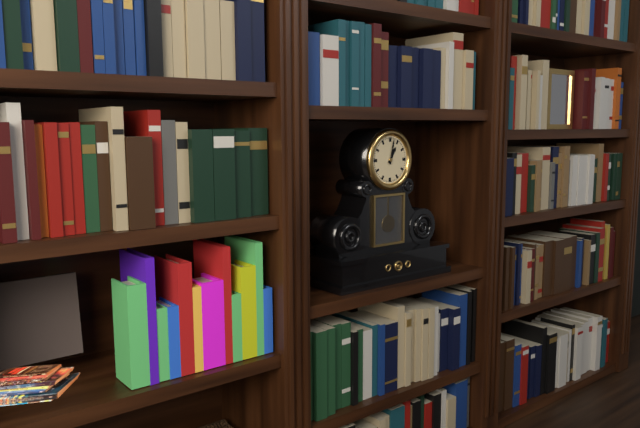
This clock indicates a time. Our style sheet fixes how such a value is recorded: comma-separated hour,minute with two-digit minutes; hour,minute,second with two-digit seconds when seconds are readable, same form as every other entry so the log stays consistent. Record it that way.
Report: 1,02
